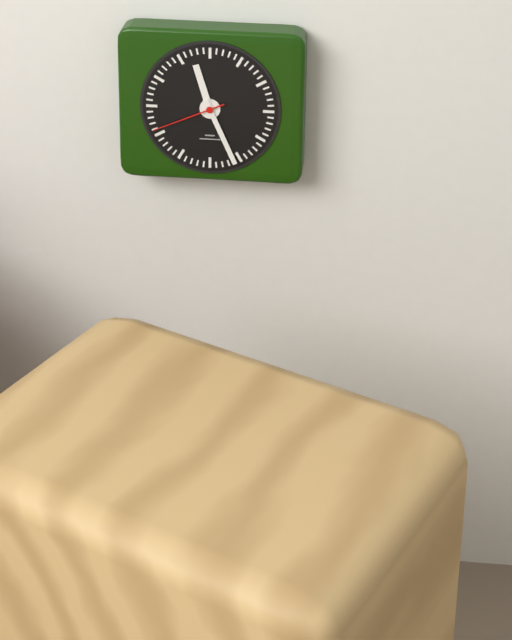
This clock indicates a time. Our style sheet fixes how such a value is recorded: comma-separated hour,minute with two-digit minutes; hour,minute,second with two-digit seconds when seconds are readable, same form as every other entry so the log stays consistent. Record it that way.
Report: 11,26,41
